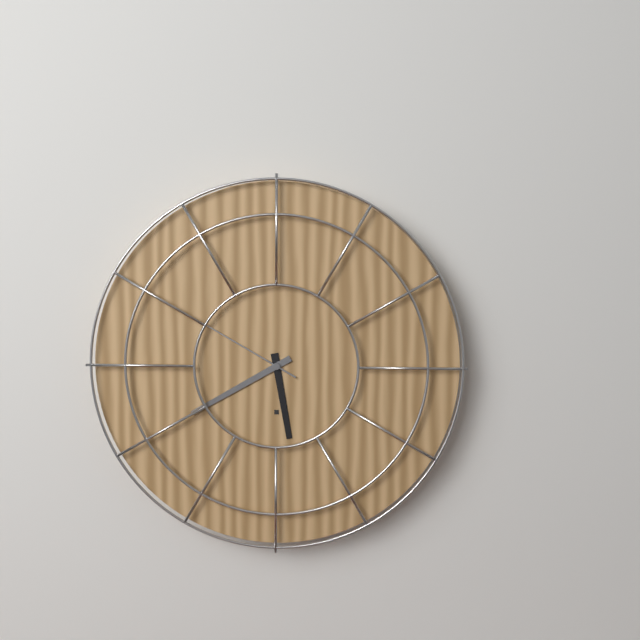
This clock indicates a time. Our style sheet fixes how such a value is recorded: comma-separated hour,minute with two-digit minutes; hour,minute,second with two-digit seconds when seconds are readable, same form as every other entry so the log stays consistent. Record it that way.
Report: 5,40,50
